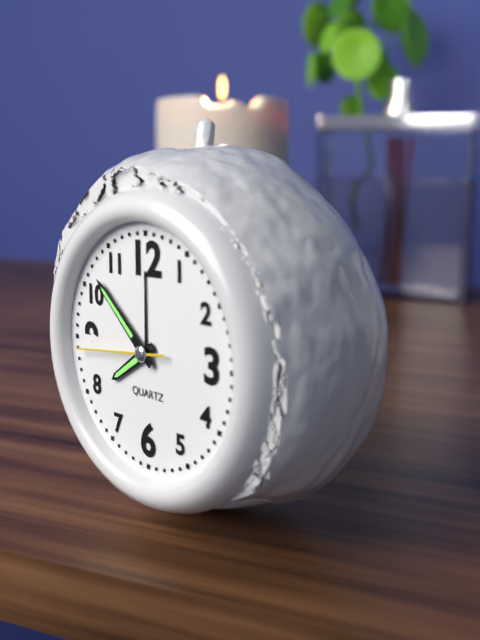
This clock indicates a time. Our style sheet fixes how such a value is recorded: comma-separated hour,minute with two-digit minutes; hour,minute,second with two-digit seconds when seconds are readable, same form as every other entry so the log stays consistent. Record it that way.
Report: 7,52,44
